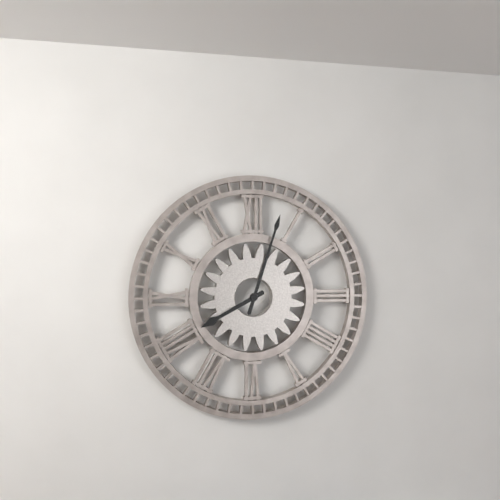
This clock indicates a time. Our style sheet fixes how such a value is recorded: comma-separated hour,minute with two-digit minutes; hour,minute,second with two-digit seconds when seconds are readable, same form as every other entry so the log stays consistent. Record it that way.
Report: 8,03
